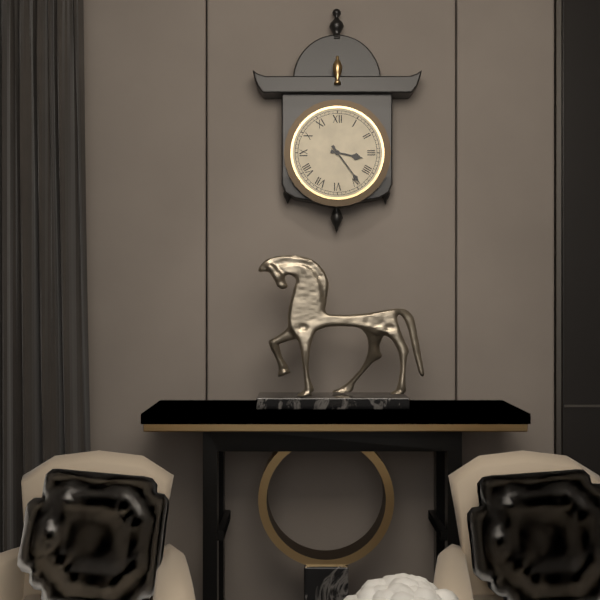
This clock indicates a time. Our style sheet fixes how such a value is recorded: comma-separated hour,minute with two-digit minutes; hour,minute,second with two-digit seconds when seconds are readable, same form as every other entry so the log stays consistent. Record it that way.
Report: 3,24
